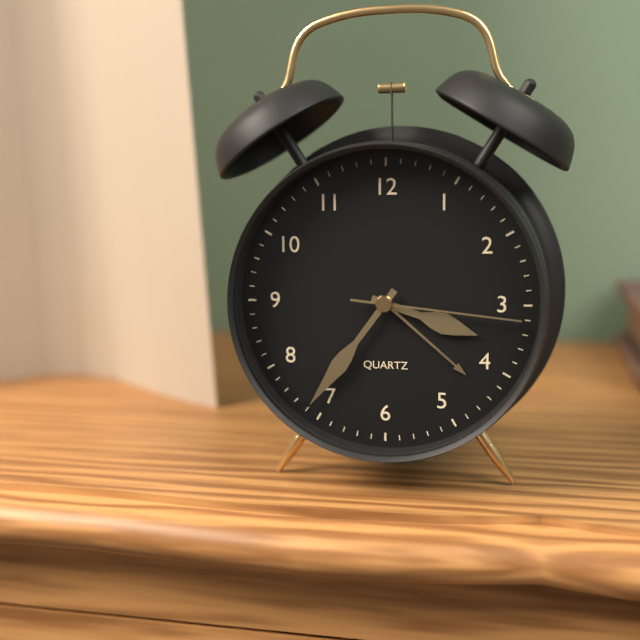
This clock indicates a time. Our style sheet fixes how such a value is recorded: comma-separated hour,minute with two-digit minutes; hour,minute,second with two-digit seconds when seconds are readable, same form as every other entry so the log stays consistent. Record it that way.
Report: 3,36,16
